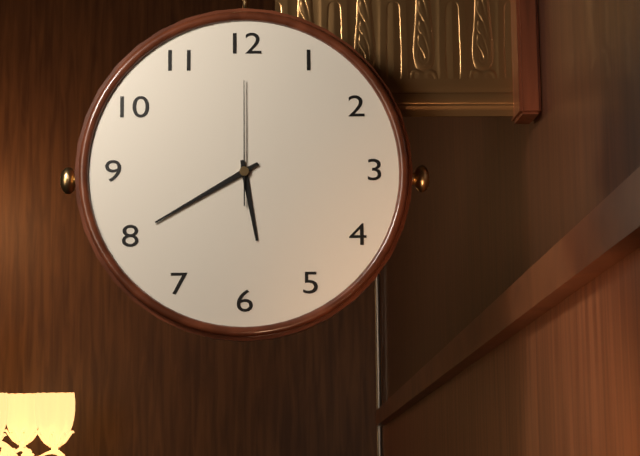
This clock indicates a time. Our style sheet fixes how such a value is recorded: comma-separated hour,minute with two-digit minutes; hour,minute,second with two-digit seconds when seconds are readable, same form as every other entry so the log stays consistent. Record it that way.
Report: 5,40,00
